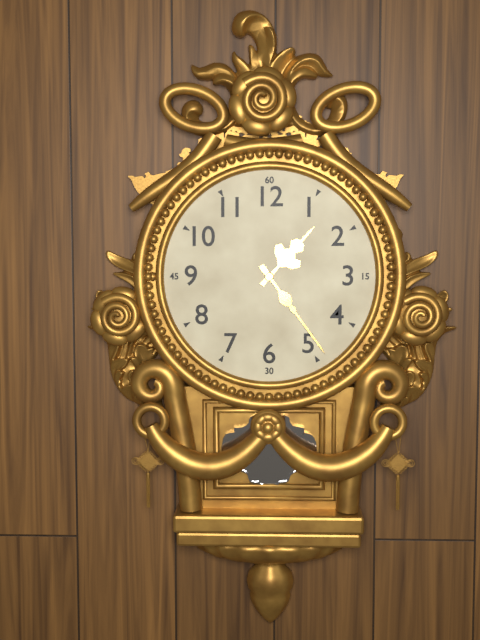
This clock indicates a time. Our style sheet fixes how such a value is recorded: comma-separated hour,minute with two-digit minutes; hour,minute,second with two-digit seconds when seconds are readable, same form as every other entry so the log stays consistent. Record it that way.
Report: 1,24
